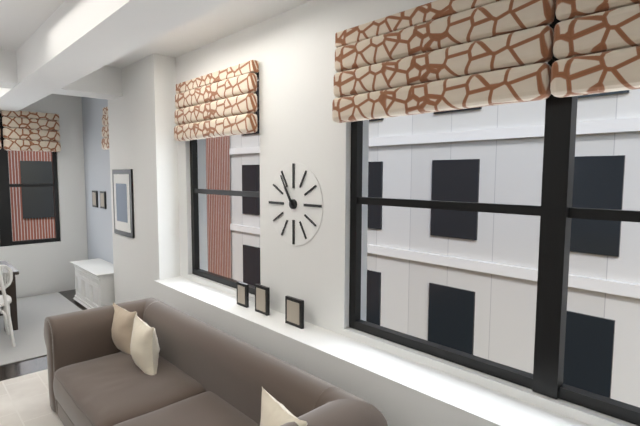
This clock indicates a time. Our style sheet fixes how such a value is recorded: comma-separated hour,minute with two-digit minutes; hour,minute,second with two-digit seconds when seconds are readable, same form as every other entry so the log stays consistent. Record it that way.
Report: 10,55
